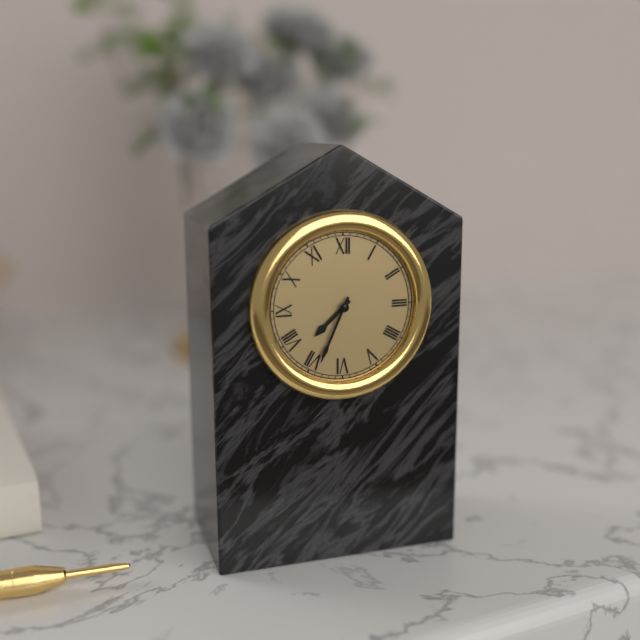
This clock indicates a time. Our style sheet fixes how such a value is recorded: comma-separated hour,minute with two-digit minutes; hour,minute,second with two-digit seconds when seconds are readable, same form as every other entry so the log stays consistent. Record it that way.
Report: 7,34
